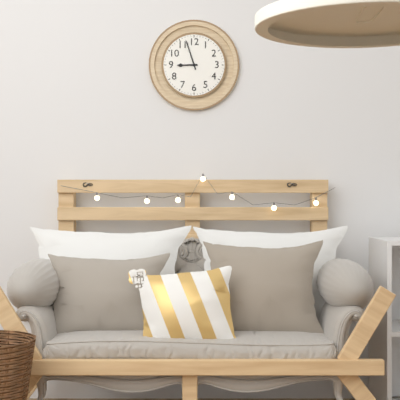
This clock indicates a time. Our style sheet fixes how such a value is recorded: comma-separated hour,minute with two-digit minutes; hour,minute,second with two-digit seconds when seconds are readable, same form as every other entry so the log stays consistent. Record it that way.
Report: 8,57
